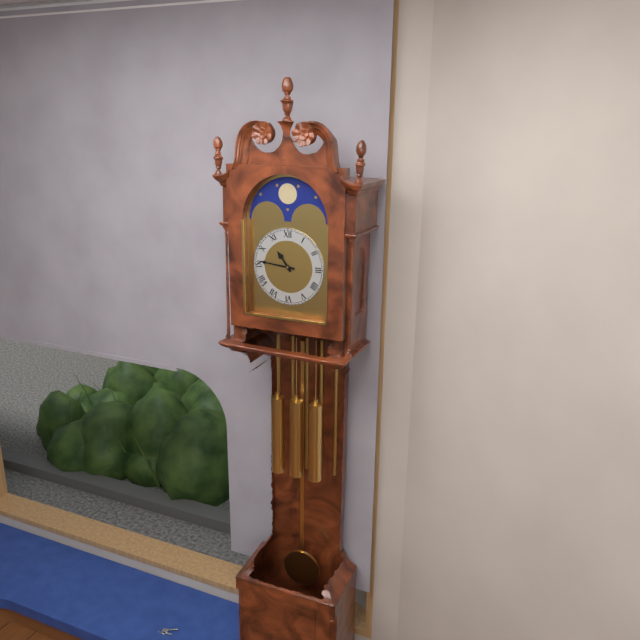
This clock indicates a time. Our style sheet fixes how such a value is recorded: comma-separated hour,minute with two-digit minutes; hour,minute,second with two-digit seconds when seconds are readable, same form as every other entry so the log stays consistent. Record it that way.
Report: 10,46
